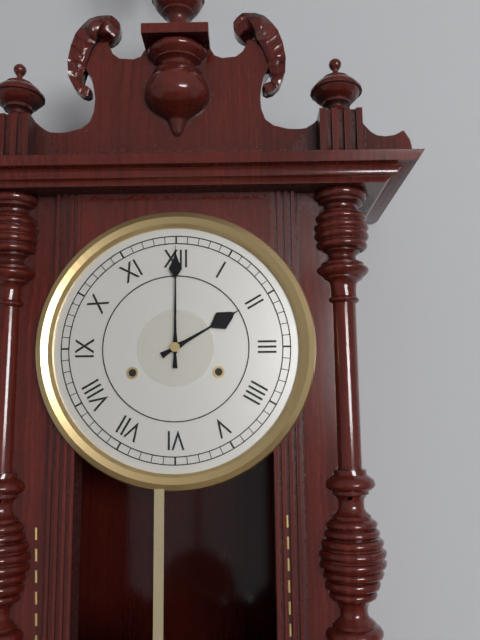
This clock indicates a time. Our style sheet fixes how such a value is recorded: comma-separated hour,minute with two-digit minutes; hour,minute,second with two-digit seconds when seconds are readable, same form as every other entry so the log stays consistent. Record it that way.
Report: 2,00
